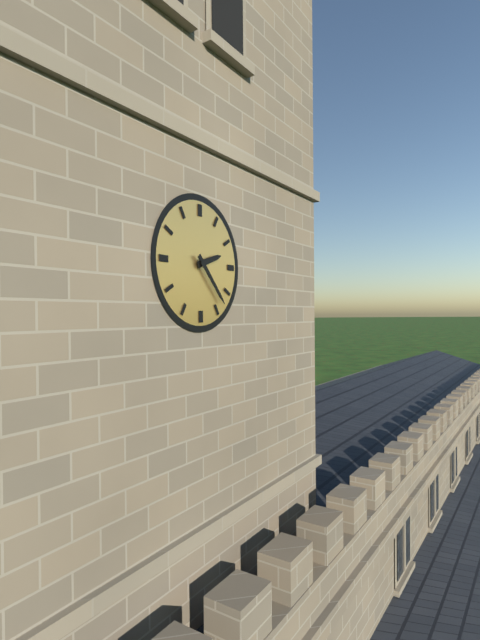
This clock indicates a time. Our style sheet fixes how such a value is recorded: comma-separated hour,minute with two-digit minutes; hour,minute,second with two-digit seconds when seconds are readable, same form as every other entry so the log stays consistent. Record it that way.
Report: 2,23
